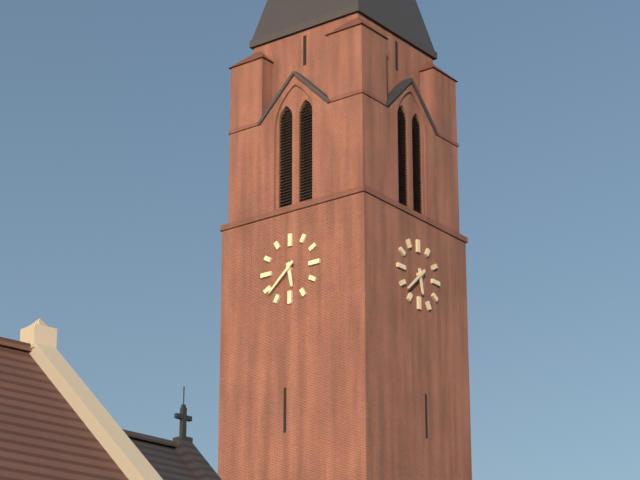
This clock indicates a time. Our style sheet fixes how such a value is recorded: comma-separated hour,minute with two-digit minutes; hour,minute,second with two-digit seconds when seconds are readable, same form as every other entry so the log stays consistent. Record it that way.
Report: 5,38
